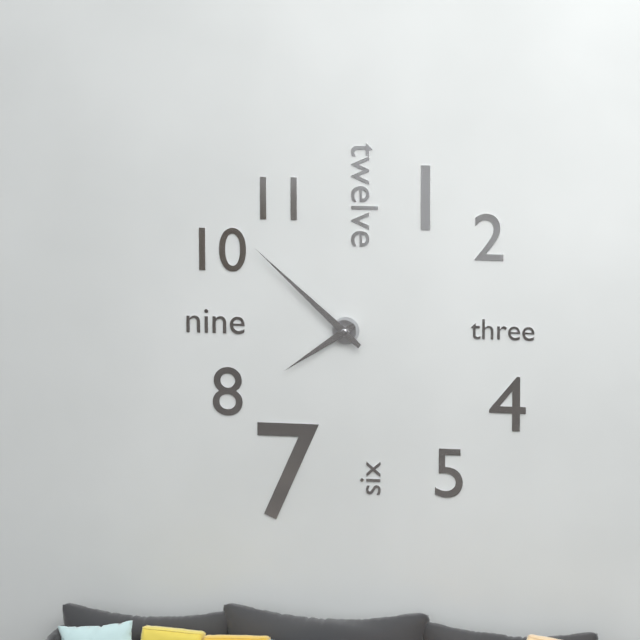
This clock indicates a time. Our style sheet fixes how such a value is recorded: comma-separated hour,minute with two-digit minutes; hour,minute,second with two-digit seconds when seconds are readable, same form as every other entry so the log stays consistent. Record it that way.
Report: 7,52
